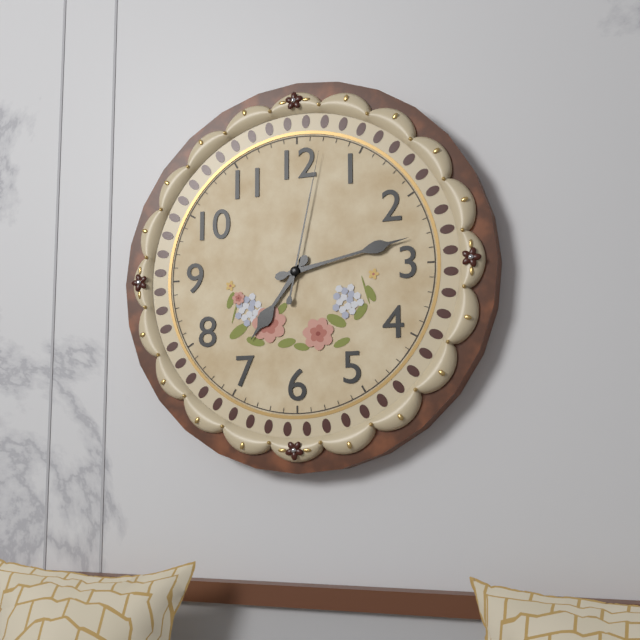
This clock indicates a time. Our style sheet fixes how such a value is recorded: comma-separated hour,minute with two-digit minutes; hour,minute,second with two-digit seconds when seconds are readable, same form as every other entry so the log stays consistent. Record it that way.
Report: 7,13,02
